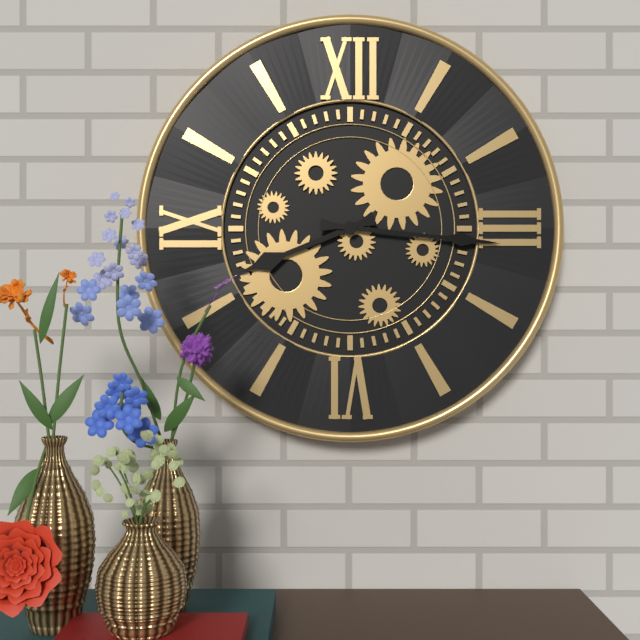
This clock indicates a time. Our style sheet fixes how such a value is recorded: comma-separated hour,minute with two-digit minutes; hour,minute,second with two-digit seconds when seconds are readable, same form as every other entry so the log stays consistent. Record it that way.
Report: 8,16
